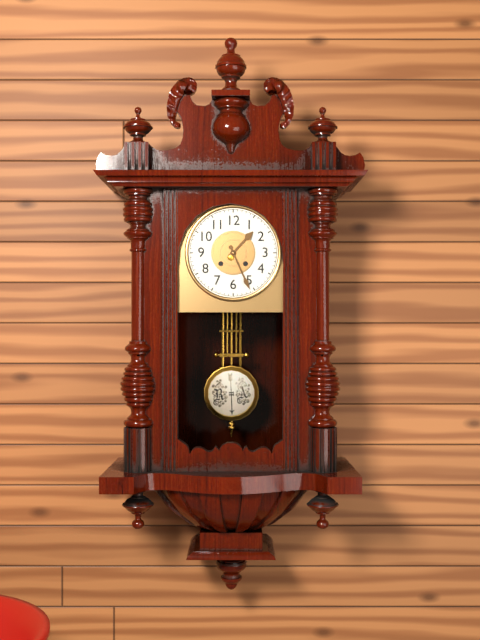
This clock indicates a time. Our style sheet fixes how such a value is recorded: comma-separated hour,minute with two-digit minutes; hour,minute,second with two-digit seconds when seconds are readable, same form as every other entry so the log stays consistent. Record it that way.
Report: 1,26
